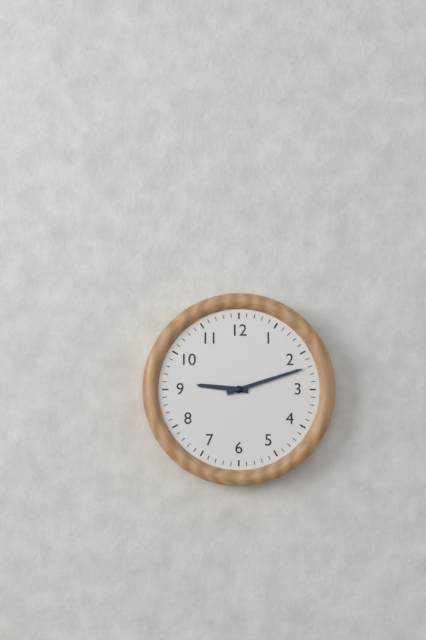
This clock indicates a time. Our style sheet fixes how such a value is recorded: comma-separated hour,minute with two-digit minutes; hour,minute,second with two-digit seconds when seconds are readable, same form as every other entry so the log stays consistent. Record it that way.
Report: 9,12
